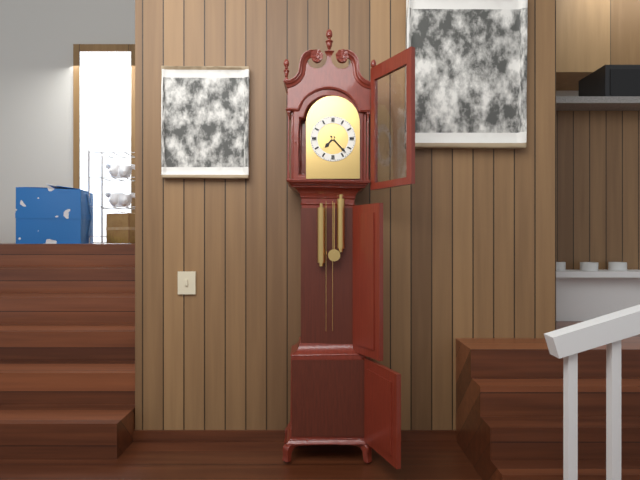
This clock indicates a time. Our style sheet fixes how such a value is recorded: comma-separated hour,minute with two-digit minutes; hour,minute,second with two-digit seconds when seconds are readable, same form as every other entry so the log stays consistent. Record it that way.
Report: 7,23
